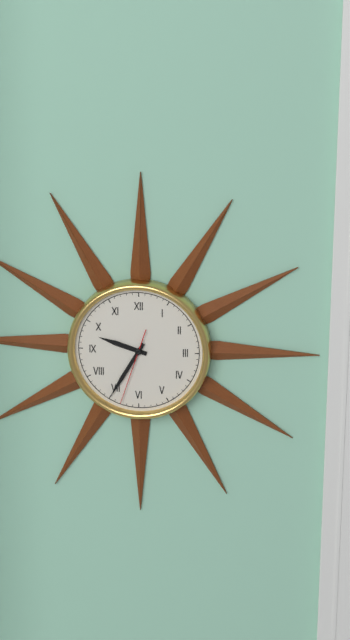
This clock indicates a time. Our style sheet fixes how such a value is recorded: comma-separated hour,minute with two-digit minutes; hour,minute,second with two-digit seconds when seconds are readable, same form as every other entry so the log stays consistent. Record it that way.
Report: 9,35,33
